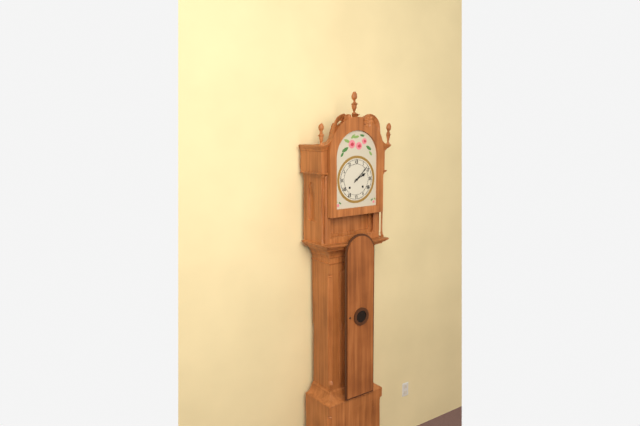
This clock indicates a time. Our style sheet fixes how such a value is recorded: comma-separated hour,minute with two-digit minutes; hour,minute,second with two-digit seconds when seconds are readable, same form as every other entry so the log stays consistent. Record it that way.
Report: 2,08
